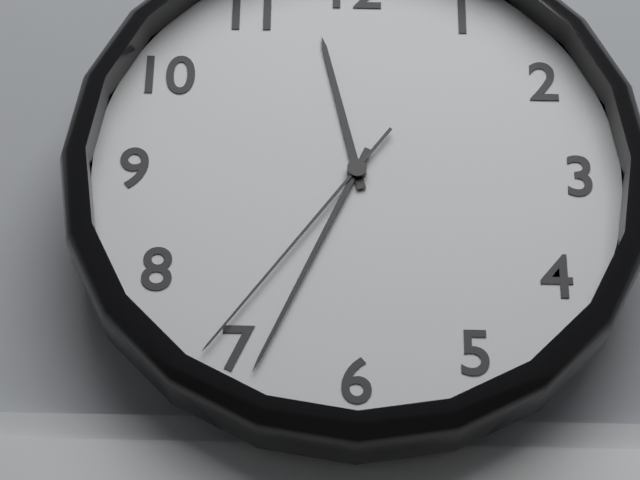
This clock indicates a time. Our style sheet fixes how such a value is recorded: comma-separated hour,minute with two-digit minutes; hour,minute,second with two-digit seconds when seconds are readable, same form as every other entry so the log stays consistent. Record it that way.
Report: 11,34,36
